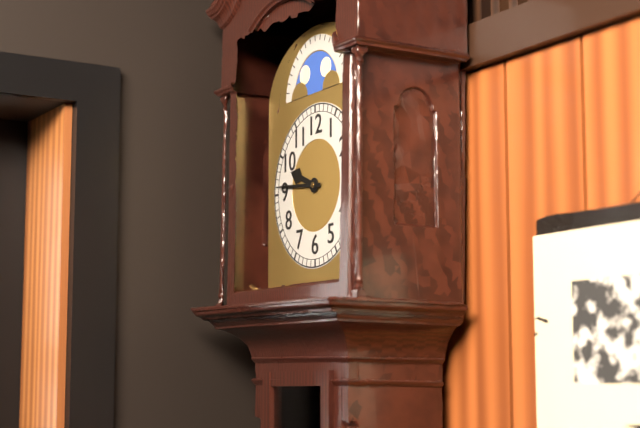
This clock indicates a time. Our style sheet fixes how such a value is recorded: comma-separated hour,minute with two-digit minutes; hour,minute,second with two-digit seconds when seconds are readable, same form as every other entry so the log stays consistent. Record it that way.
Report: 9,46
